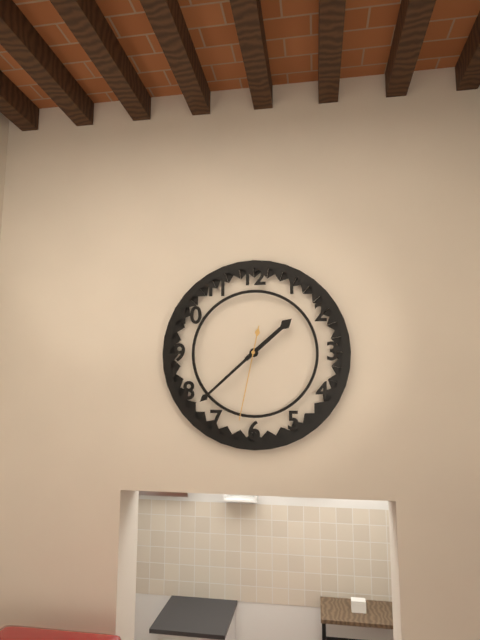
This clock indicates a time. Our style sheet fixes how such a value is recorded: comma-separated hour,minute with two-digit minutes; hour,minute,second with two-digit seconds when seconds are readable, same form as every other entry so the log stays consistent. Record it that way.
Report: 1,38,32
